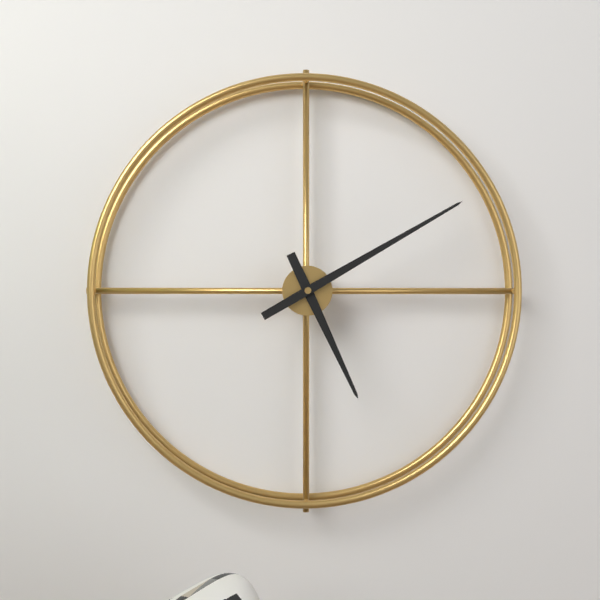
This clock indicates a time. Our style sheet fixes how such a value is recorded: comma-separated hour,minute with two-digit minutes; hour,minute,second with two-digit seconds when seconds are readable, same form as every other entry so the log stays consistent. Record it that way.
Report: 5,10
